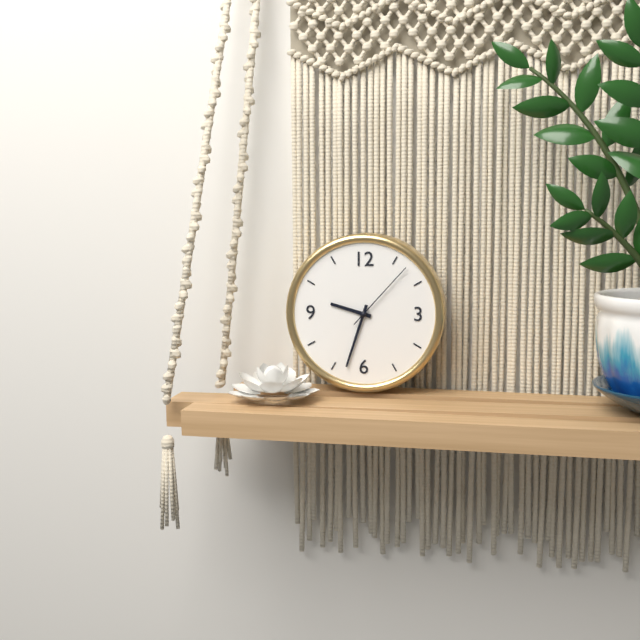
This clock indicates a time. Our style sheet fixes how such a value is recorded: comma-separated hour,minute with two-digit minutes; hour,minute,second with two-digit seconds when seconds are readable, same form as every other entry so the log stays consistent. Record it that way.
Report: 9,33,07
